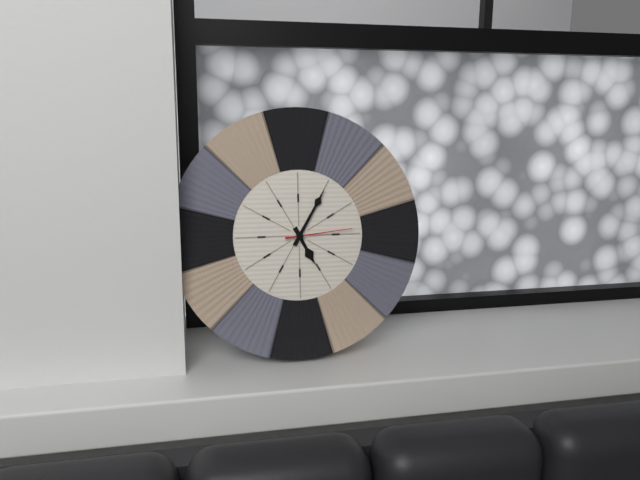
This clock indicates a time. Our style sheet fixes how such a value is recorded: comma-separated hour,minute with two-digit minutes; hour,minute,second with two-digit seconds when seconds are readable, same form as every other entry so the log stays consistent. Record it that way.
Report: 5,05,14
